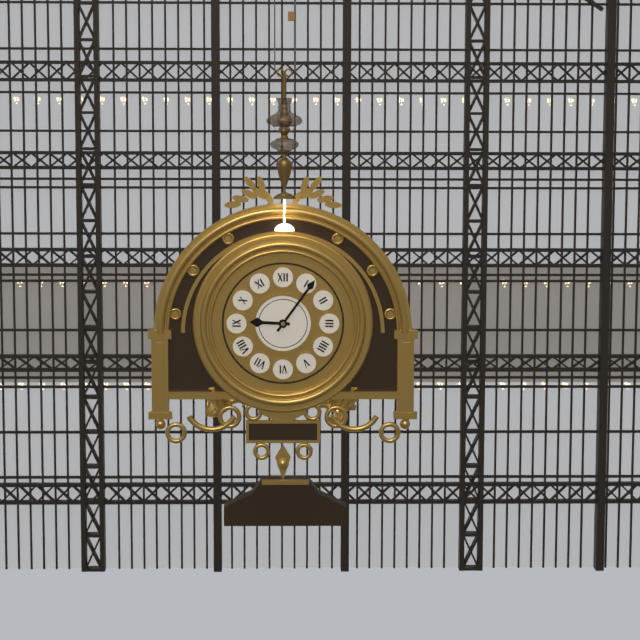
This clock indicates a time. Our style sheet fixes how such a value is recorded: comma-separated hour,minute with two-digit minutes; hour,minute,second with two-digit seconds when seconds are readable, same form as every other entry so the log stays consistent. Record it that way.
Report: 9,06
